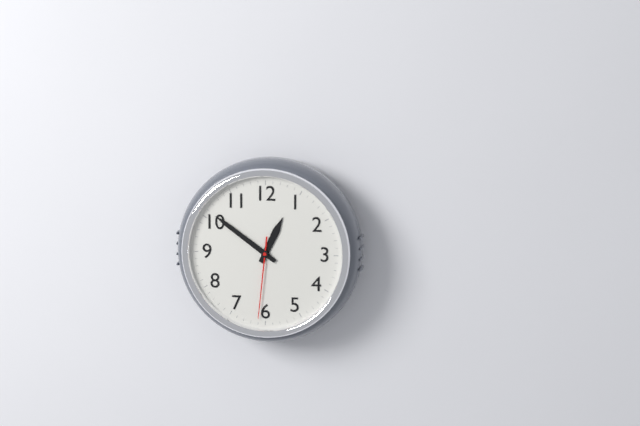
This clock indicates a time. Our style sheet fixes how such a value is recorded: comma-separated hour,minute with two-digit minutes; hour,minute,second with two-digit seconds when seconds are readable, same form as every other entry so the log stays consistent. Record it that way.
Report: 12,51,31
